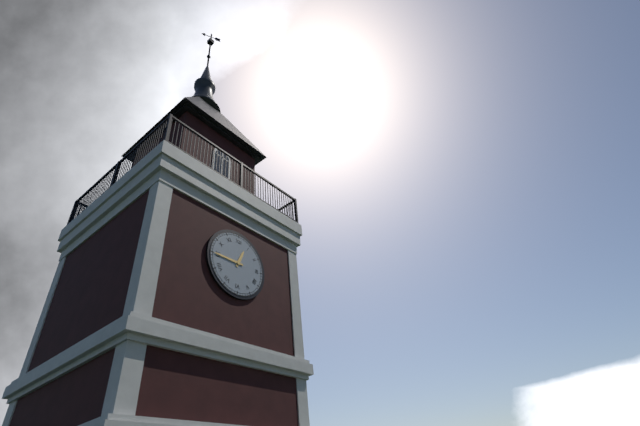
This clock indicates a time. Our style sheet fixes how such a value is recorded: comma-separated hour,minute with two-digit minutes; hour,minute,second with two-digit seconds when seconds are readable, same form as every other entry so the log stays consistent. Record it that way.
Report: 12,45
